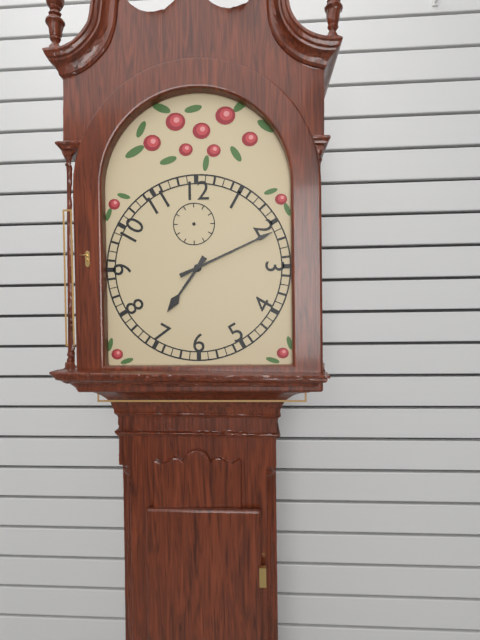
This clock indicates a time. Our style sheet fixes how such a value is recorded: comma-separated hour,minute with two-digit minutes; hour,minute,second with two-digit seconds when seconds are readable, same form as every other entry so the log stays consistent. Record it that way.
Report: 7,11
